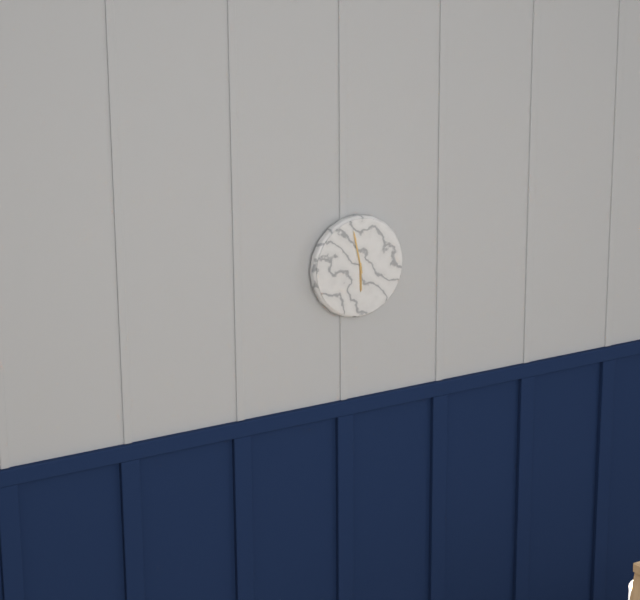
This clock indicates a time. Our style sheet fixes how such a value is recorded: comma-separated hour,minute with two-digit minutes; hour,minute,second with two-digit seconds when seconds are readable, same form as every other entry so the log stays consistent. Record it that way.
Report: 5,58
